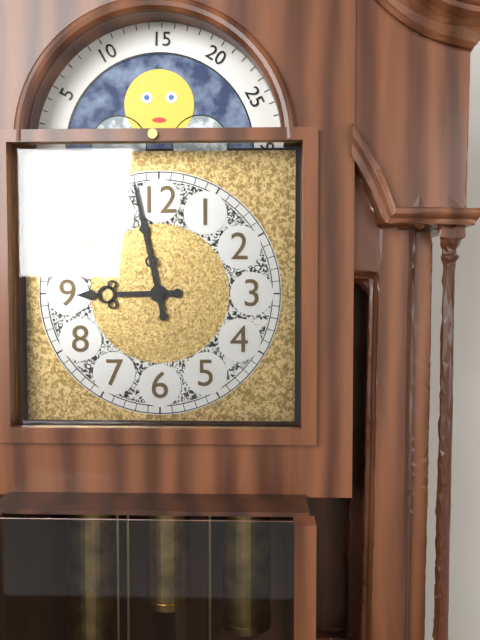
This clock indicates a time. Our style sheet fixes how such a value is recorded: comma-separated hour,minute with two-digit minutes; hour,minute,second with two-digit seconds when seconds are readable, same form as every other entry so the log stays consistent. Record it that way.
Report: 8,58
